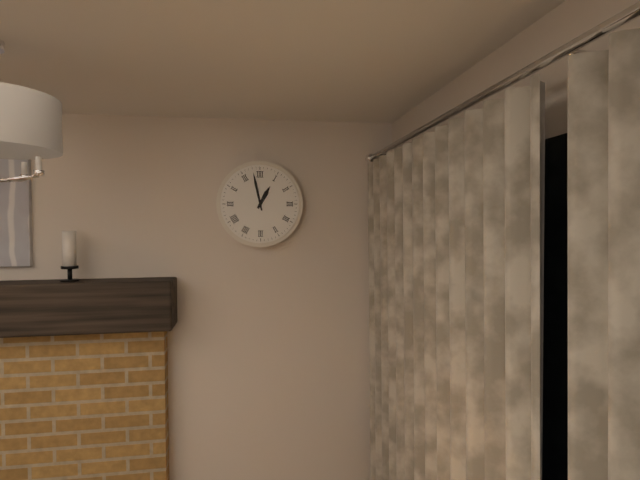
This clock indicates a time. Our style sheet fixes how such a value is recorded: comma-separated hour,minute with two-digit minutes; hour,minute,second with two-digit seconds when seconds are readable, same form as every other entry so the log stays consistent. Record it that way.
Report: 12,58
